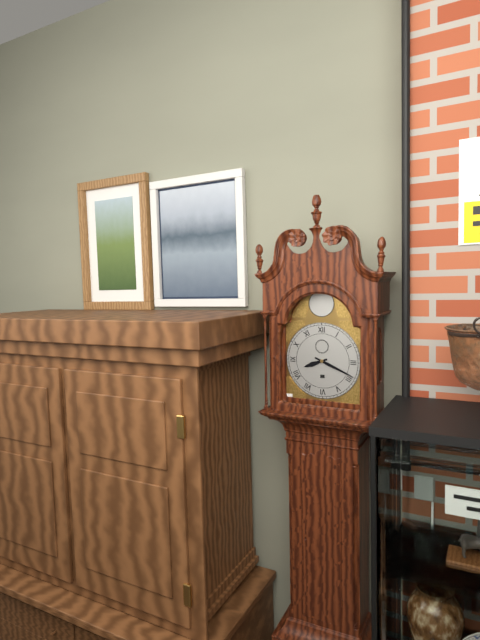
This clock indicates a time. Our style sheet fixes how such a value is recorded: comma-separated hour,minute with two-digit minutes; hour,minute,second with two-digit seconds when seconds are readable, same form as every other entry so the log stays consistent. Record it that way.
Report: 8,19
